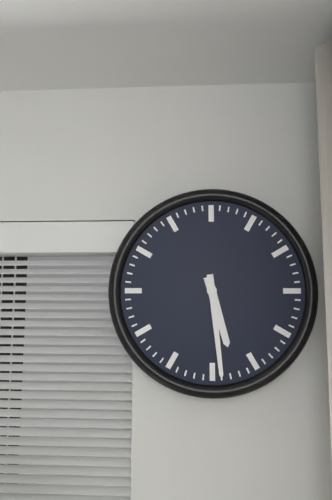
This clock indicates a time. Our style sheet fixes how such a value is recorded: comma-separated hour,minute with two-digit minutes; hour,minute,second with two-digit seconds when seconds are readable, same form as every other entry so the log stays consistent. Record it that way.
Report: 5,29
